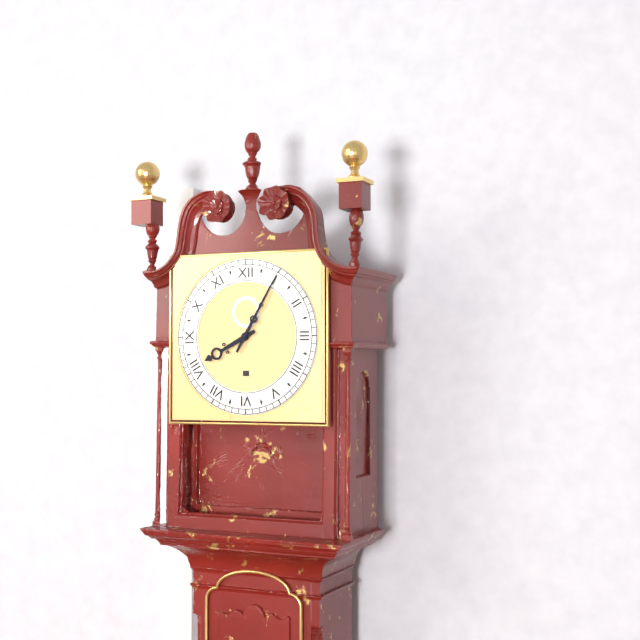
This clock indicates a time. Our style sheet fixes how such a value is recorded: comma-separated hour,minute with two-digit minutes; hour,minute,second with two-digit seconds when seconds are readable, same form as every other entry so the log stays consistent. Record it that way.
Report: 8,05
